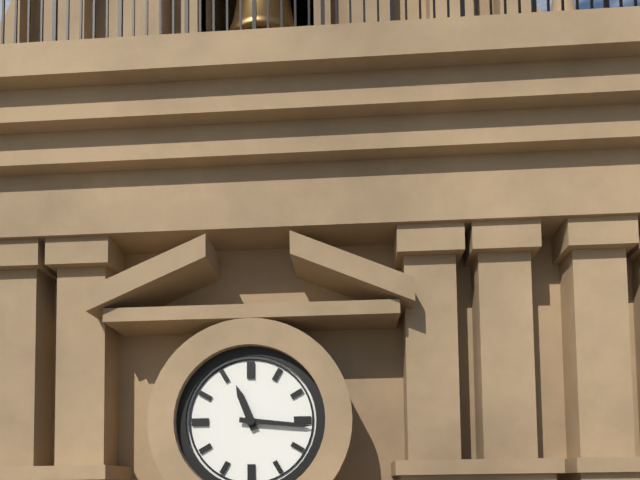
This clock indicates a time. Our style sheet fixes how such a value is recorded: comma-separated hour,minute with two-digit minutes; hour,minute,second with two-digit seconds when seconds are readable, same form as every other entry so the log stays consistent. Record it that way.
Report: 11,16
